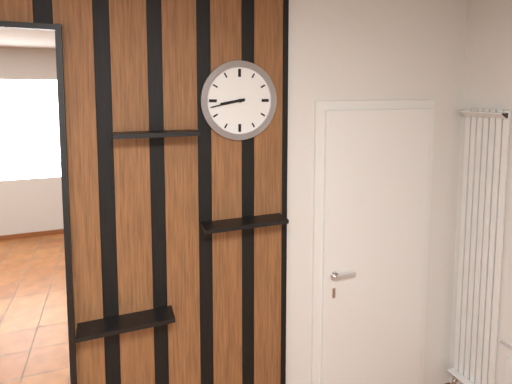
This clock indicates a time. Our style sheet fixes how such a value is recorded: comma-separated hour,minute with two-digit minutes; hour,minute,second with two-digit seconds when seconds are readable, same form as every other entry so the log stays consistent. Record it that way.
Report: 8,43
